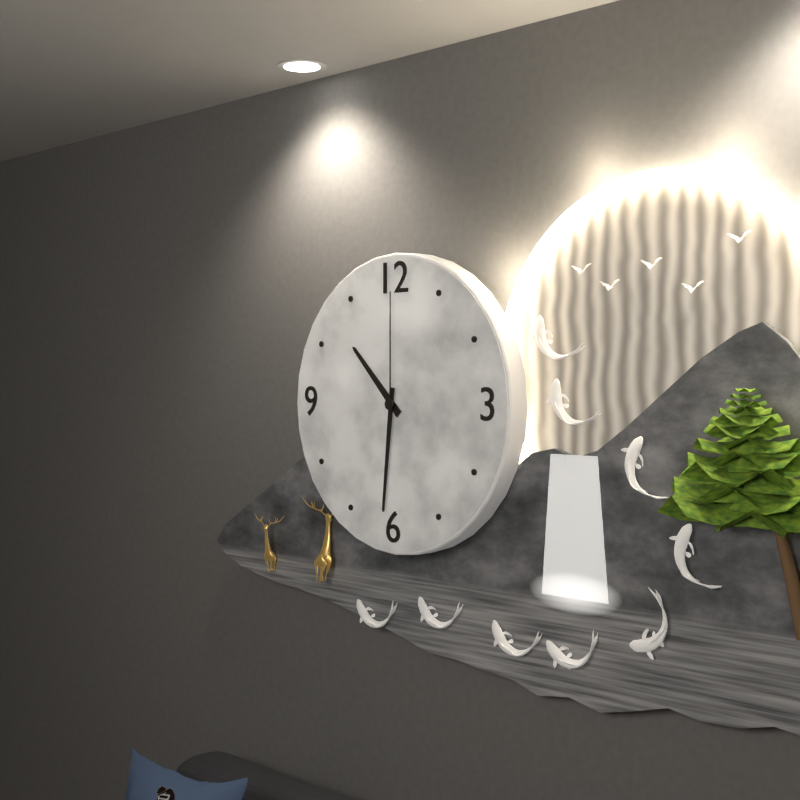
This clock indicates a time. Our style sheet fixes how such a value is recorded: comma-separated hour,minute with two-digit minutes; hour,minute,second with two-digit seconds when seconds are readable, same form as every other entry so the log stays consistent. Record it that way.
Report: 10,31,00
